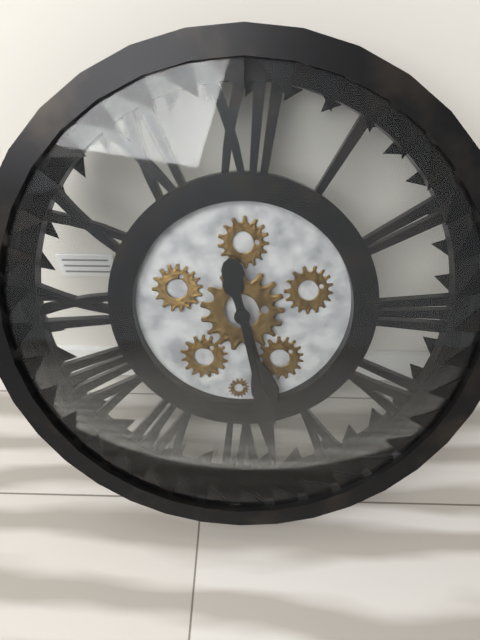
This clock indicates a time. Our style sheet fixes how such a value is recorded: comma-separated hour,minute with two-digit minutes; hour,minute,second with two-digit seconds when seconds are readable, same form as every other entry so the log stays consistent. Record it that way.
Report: 5,28
